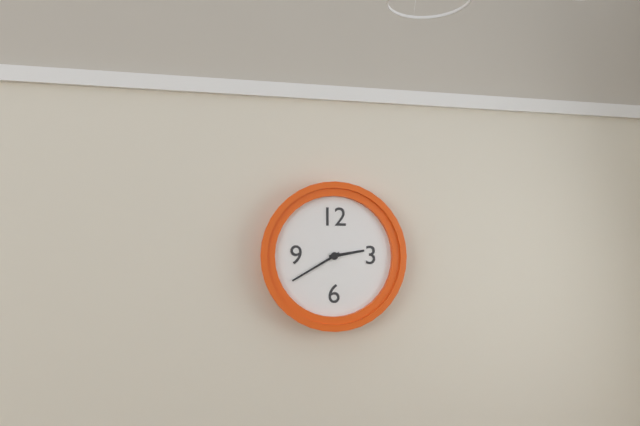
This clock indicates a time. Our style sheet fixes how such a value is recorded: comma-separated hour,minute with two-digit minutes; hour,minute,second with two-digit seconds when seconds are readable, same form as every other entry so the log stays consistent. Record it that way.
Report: 2,40
